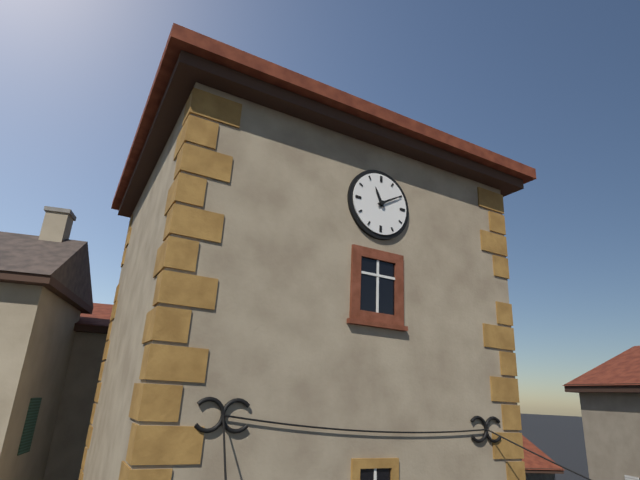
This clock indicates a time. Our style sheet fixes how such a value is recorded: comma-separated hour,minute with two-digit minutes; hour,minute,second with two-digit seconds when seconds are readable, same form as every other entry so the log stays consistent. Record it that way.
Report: 11,10
